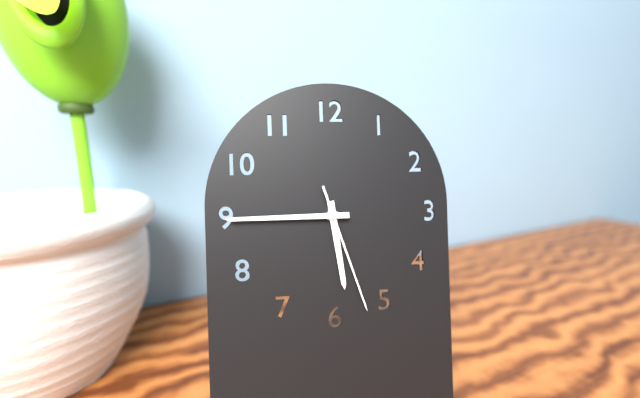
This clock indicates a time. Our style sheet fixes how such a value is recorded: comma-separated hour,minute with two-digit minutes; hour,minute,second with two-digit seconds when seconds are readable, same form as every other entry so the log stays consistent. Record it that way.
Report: 5,45,27
